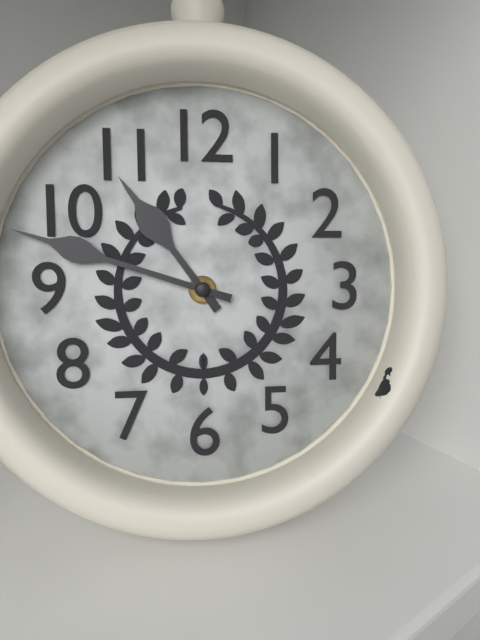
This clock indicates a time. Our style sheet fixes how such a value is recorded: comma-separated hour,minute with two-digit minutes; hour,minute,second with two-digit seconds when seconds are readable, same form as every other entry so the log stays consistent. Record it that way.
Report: 10,48
